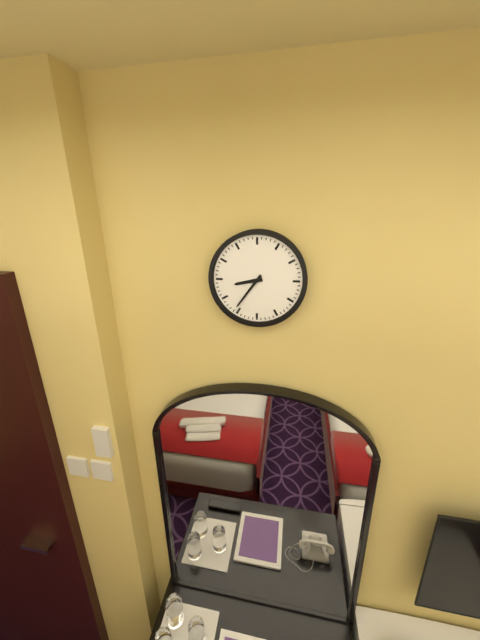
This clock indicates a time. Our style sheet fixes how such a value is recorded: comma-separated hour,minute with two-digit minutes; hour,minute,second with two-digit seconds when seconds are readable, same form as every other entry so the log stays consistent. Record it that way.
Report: 8,36
